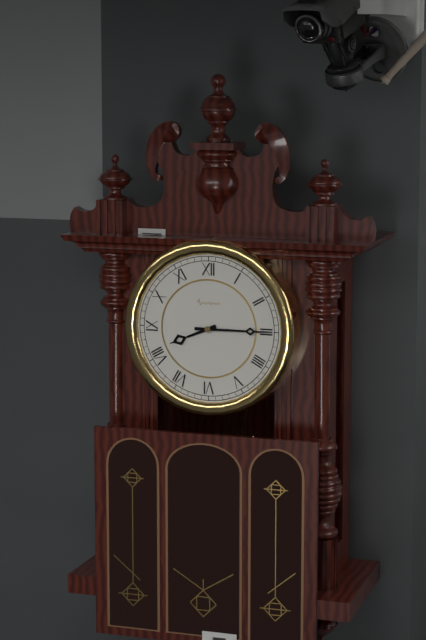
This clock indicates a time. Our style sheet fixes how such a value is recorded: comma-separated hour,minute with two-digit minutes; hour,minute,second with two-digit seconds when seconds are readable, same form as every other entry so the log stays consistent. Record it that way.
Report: 8,15
